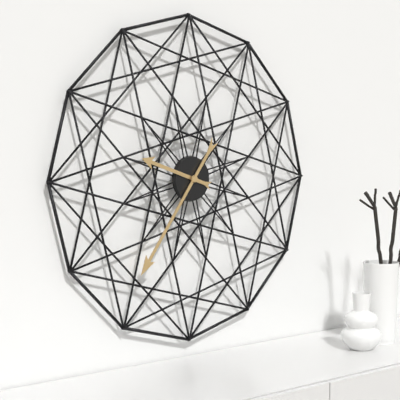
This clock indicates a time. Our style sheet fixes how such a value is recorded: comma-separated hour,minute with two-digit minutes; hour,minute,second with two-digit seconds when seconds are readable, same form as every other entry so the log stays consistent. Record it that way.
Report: 9,36
